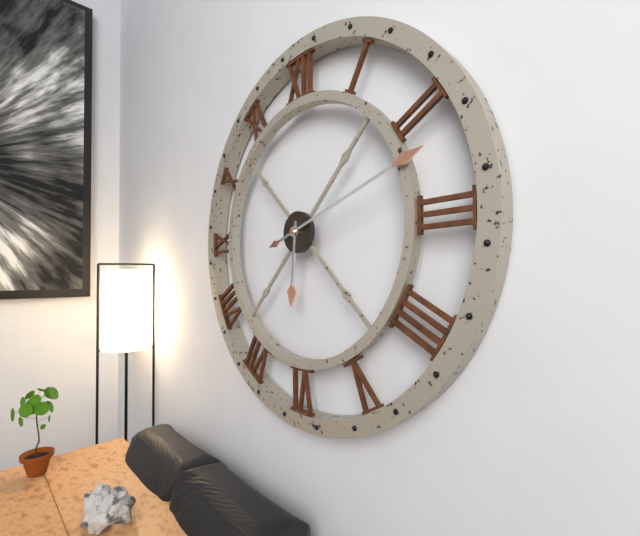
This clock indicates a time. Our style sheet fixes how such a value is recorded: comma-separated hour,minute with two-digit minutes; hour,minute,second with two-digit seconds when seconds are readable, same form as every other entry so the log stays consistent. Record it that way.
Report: 6,12
